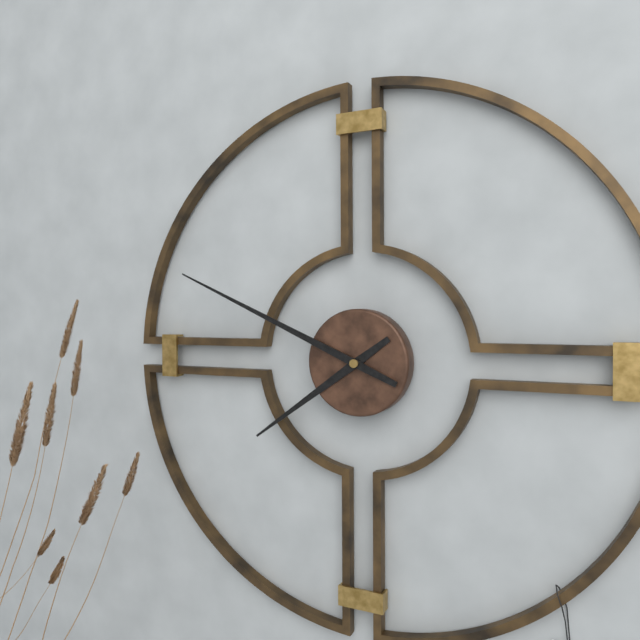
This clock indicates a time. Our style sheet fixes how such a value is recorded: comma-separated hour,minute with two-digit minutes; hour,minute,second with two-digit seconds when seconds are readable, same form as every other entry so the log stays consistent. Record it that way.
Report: 7,49
